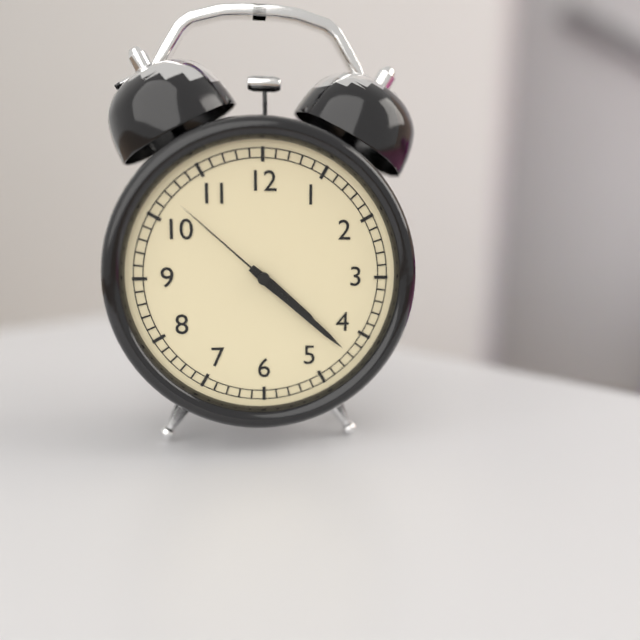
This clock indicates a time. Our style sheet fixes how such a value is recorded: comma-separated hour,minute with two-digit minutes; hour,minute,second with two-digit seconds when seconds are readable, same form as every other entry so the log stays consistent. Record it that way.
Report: 4,22,52
